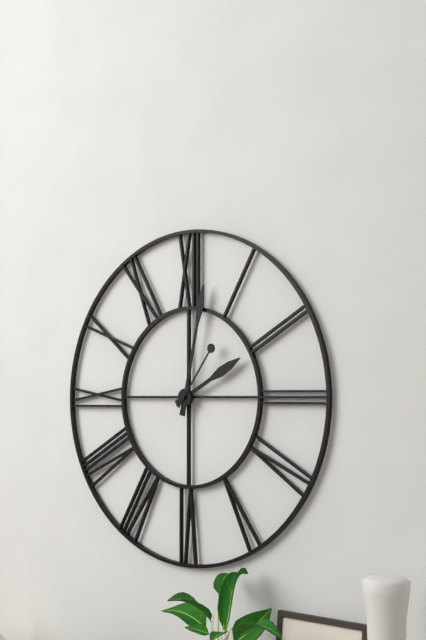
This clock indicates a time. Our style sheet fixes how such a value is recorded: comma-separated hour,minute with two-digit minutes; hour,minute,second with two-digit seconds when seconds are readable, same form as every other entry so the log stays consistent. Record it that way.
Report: 2,02,06
